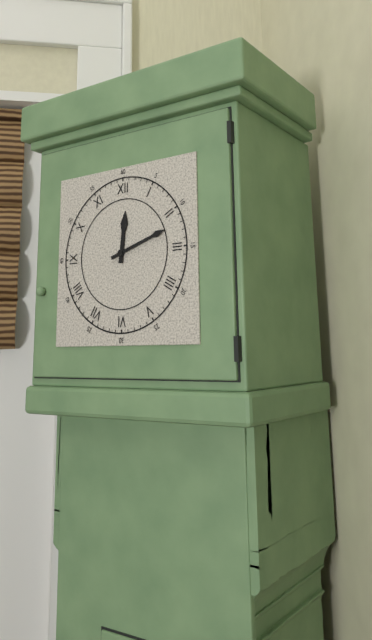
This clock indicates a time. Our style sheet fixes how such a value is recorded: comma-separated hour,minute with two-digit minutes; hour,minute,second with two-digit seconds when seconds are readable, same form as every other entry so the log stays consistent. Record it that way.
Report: 12,12
